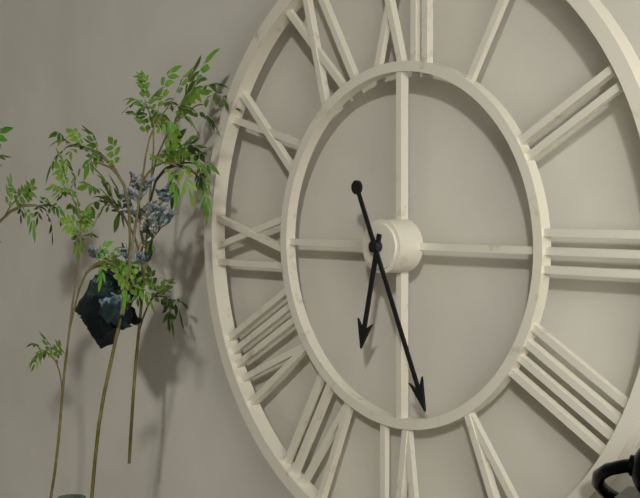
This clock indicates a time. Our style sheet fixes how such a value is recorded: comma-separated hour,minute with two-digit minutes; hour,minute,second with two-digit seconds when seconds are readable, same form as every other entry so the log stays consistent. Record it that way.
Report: 6,26
